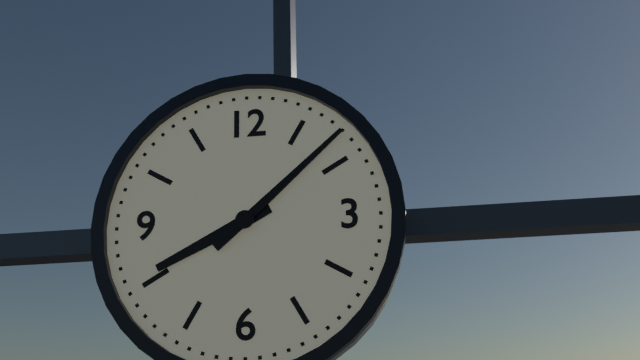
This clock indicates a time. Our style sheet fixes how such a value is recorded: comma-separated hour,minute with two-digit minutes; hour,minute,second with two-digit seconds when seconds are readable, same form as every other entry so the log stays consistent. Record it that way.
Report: 8,08
